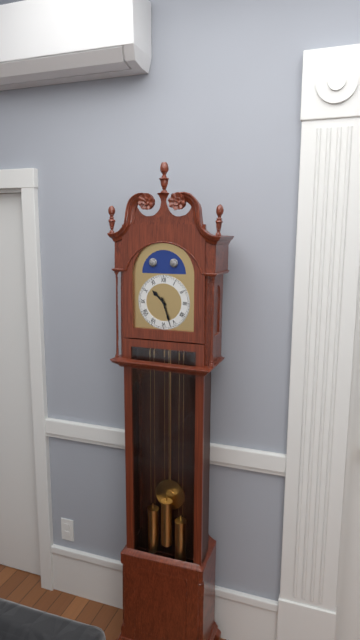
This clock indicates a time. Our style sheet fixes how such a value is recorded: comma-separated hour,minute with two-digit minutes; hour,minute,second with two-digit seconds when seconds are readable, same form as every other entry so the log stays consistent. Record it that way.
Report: 10,27
